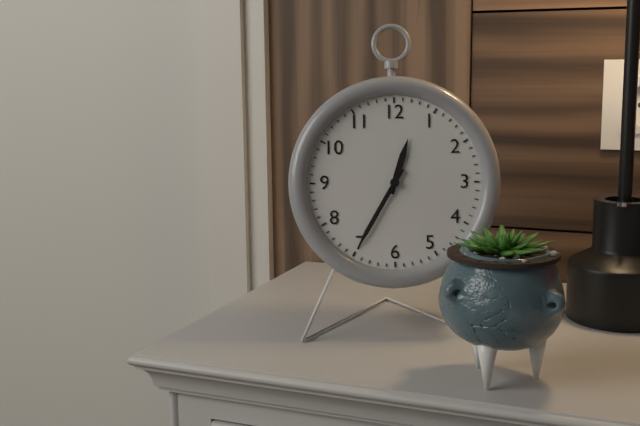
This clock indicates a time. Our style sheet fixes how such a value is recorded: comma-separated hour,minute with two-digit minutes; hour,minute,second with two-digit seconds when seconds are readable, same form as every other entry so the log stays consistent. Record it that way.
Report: 12,35
